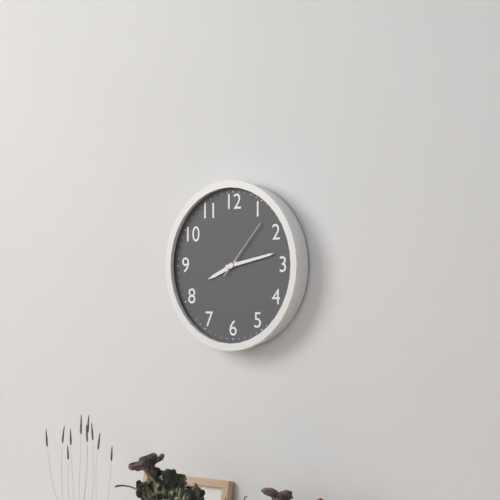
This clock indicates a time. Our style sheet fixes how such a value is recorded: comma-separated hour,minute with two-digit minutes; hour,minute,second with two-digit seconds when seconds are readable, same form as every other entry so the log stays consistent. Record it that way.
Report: 8,13,07
